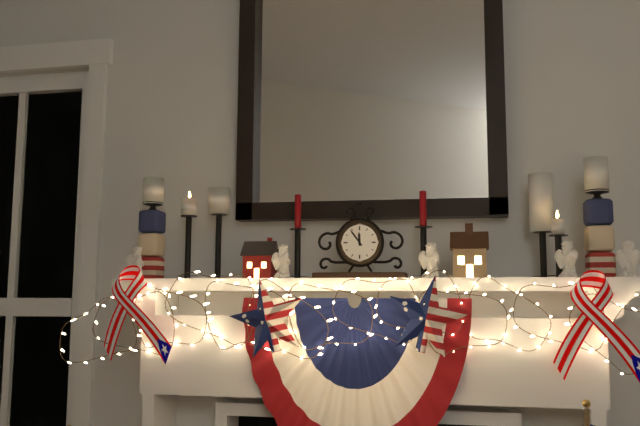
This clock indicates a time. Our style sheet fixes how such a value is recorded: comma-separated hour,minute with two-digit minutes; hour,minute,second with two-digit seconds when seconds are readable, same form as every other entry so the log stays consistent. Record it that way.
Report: 11,54
